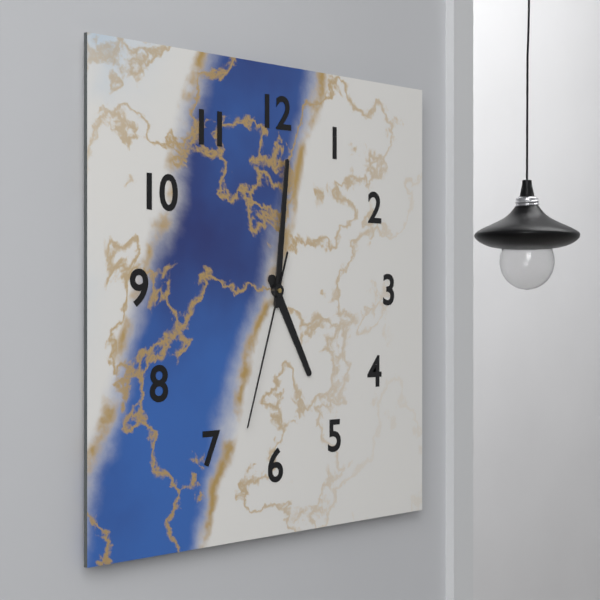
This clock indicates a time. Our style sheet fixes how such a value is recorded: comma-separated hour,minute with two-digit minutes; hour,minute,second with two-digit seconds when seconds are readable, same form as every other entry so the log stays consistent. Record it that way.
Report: 5,01,33
